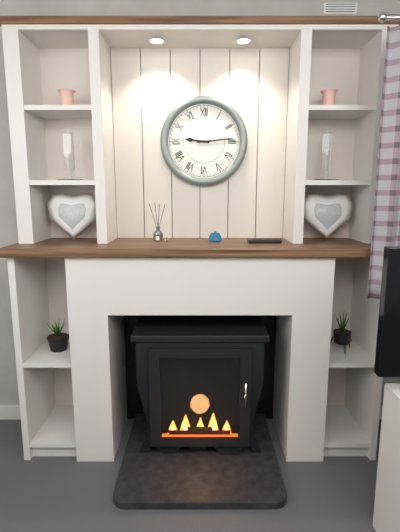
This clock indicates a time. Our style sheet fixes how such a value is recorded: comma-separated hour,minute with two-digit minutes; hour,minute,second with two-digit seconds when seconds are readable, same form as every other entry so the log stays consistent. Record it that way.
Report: 9,14
